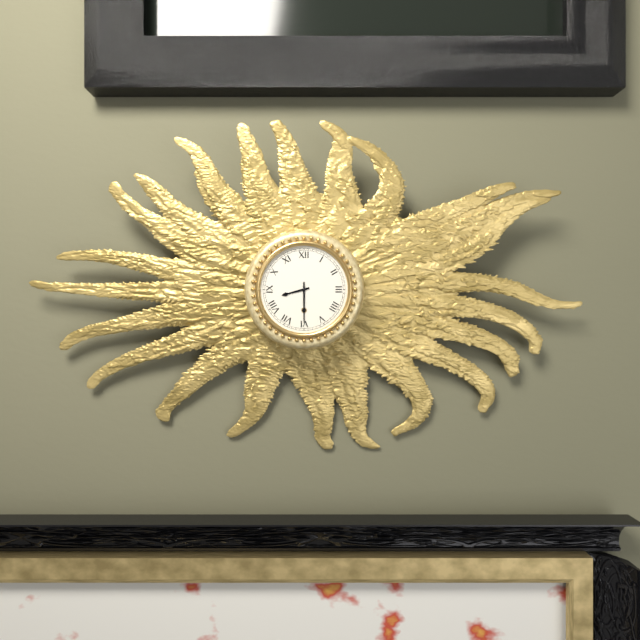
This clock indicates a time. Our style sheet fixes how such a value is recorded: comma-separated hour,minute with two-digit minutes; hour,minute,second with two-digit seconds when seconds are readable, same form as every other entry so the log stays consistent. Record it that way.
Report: 8,30
